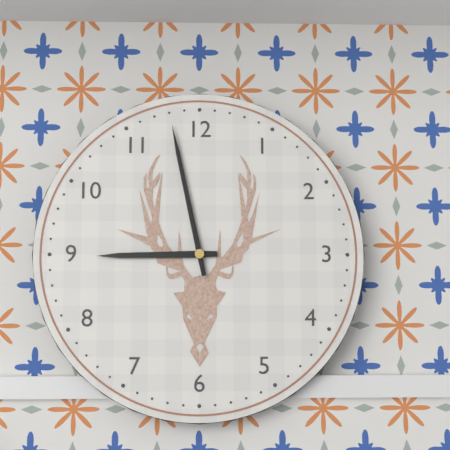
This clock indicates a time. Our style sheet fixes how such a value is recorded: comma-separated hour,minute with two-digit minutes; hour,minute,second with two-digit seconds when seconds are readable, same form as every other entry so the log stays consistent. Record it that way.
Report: 8,58
